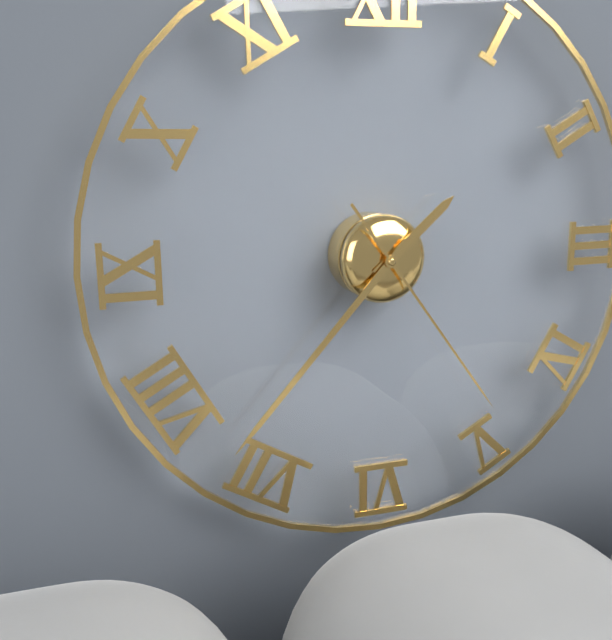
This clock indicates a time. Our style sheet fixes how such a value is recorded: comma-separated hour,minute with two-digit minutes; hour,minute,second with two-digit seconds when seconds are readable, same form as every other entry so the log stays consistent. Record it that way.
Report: 1,37,24
